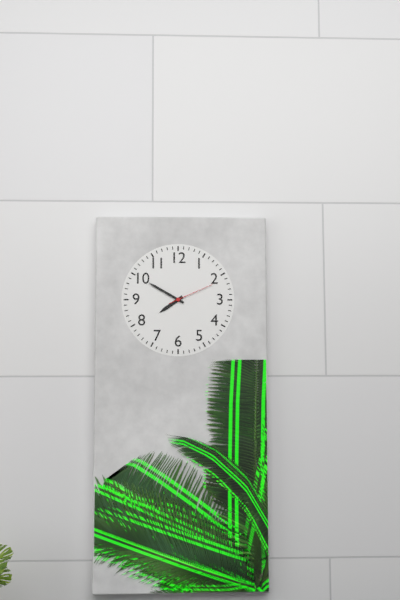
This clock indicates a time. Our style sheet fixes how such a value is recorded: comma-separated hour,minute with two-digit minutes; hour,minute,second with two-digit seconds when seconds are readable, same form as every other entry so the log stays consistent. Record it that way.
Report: 7,50
